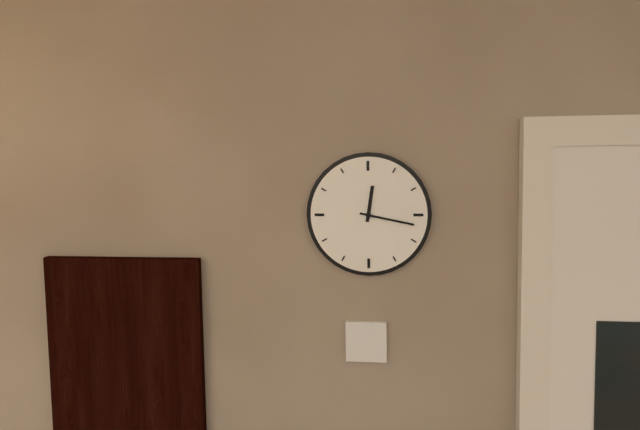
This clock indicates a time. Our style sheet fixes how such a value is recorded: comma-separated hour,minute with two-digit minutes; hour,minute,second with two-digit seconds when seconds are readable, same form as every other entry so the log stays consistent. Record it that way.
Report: 12,17
